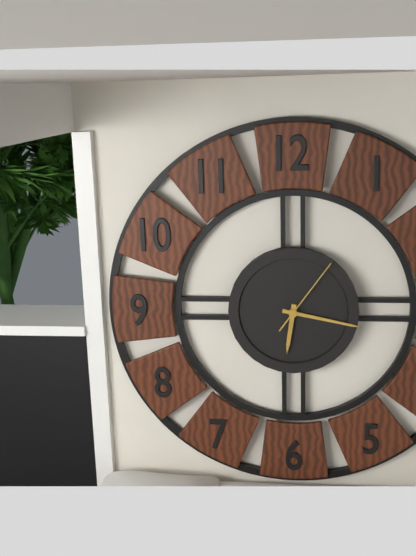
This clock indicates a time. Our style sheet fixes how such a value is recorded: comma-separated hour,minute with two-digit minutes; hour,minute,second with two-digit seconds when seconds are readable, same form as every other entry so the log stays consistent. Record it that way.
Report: 6,17,06
